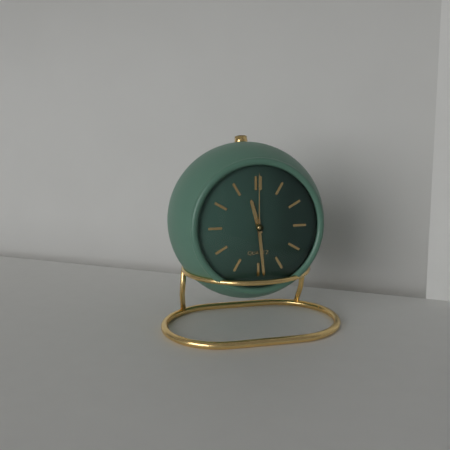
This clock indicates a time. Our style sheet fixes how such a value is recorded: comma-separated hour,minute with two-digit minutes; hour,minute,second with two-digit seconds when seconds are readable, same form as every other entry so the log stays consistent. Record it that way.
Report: 11,29,00
